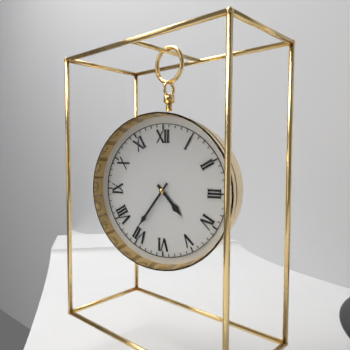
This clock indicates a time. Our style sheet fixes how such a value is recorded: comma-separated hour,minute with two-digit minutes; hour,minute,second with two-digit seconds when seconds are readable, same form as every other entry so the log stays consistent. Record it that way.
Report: 4,36
